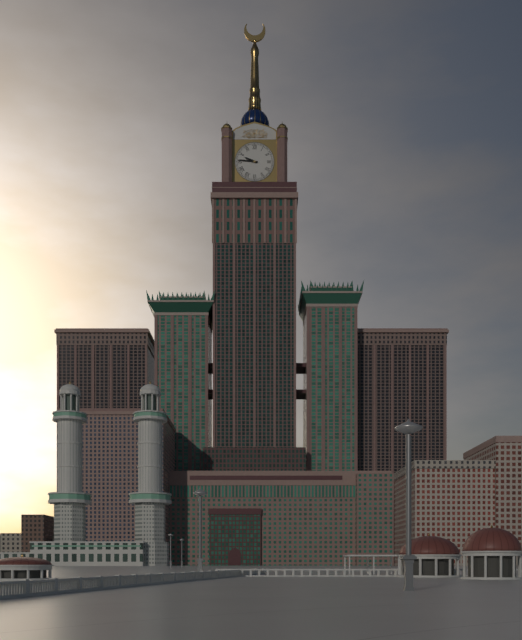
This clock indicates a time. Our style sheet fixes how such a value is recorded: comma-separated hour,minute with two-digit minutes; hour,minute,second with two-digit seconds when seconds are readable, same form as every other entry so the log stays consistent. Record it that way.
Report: 9,46
